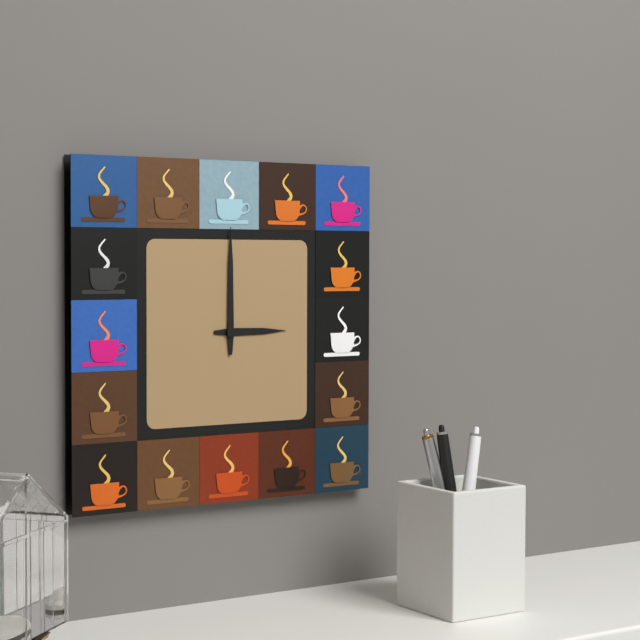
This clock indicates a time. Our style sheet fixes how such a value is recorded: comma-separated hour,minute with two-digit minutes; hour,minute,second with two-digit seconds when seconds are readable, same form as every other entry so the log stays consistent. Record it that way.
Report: 3,00
